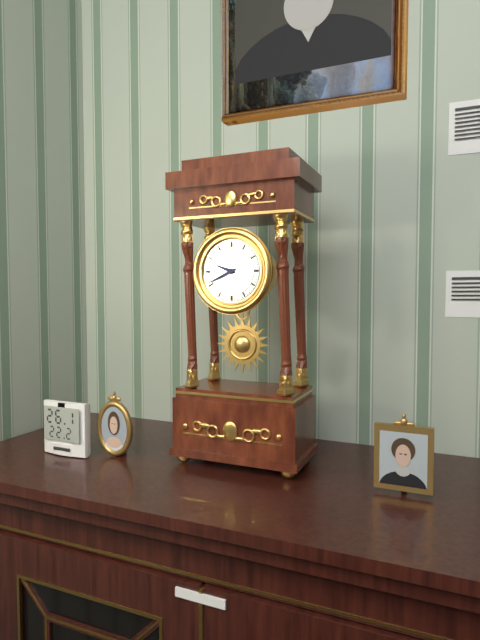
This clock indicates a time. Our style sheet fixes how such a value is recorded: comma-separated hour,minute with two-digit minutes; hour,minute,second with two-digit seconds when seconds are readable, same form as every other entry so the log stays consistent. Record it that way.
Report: 9,41
